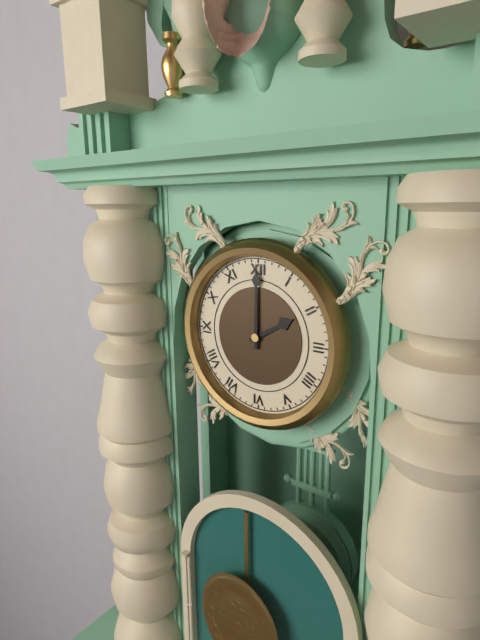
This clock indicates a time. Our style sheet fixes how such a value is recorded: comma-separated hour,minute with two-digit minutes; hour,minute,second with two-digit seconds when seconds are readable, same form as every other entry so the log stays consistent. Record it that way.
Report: 2,00
